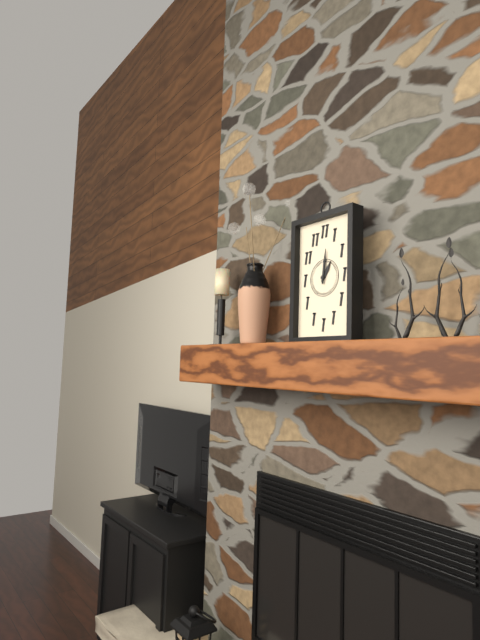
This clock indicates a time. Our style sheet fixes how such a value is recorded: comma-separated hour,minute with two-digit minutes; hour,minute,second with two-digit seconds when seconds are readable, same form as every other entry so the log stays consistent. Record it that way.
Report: 1,01
